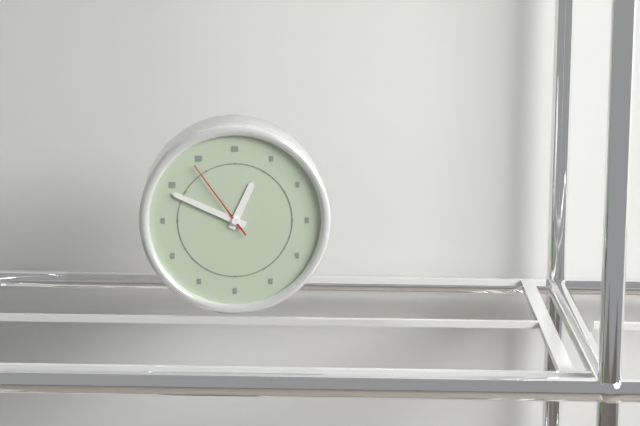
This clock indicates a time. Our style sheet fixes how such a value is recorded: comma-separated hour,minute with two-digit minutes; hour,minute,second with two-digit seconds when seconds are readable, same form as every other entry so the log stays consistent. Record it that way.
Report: 12,49,54
